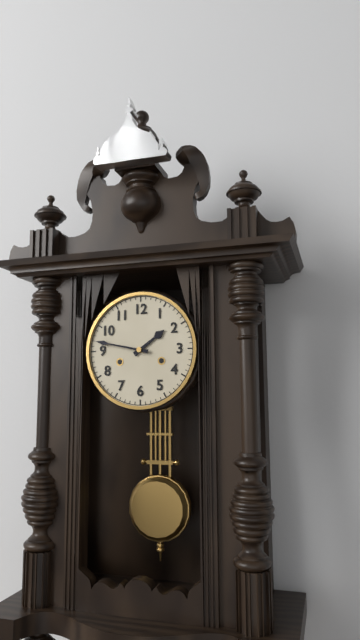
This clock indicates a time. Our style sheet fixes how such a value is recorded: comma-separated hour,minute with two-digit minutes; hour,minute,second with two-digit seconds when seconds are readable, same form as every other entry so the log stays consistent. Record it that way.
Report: 1,47
